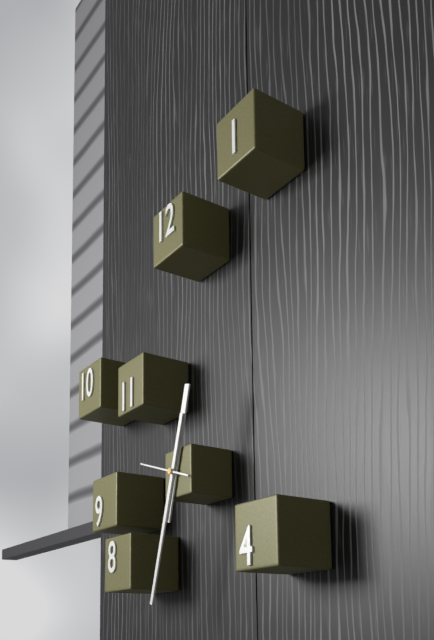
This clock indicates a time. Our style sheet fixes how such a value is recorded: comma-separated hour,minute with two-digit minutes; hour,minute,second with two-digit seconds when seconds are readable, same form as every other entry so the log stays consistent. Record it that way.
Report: 12,33
